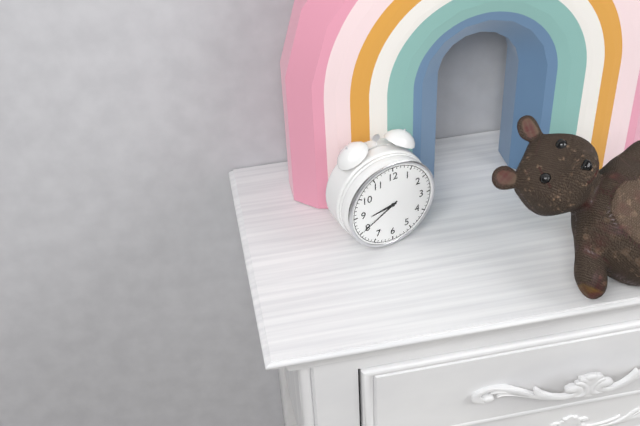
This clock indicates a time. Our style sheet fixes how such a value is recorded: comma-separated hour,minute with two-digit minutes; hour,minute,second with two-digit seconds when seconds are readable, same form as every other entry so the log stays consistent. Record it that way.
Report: 8,40
